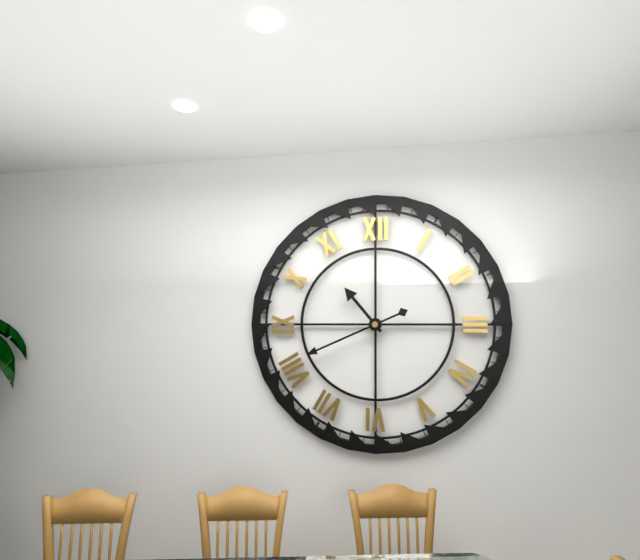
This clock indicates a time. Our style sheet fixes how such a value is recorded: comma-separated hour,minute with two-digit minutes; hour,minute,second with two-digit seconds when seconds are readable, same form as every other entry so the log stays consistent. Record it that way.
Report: 10,41
